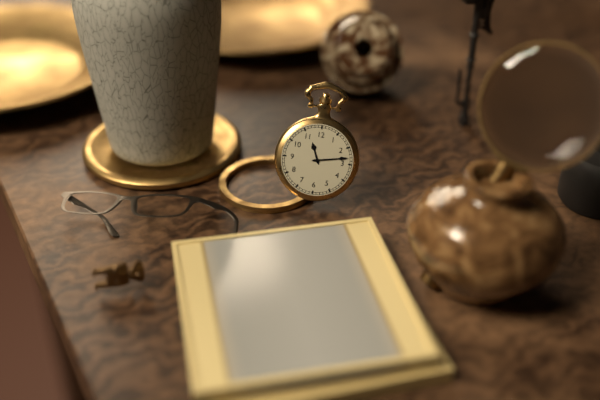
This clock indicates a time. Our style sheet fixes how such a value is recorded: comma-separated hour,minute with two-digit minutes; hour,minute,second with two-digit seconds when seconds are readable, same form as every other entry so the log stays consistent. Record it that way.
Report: 11,13
